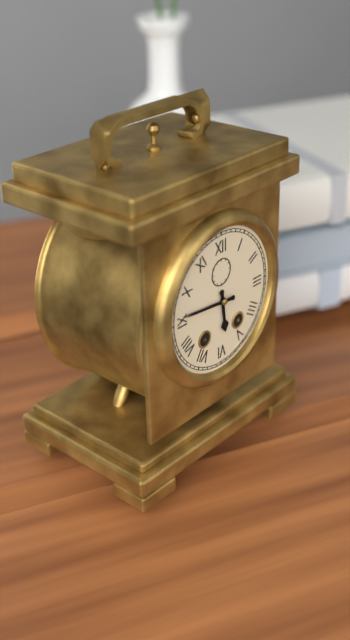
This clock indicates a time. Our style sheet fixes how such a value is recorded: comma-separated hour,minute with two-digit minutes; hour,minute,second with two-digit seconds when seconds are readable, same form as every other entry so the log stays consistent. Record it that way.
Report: 5,46
